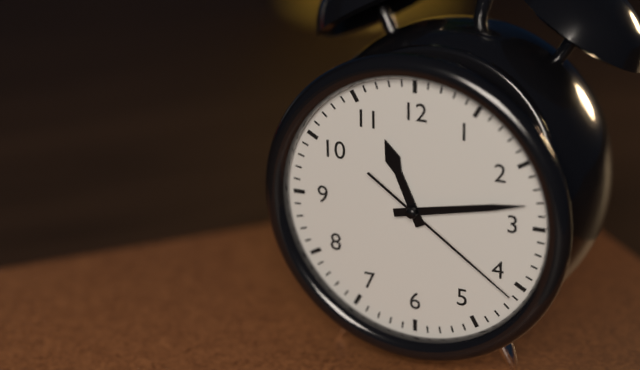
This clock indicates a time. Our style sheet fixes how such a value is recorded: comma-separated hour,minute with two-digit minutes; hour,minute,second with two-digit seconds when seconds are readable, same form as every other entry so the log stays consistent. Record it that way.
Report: 11,13,21
